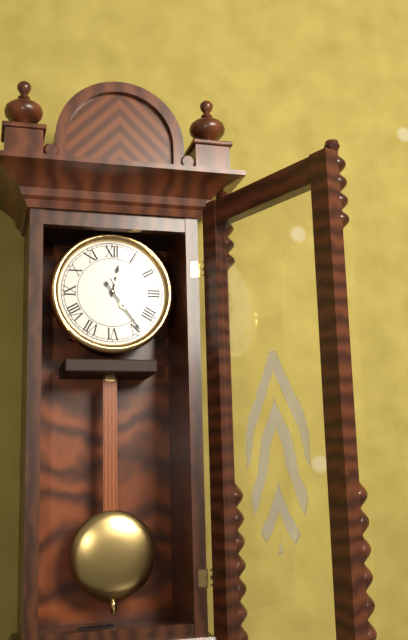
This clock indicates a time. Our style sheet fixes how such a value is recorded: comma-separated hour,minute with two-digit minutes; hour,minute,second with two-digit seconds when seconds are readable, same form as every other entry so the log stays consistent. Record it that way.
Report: 12,24
